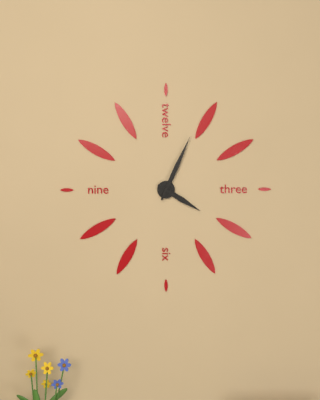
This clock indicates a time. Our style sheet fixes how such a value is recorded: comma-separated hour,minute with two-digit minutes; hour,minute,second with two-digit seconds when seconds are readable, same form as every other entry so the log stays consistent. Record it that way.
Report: 4,04
